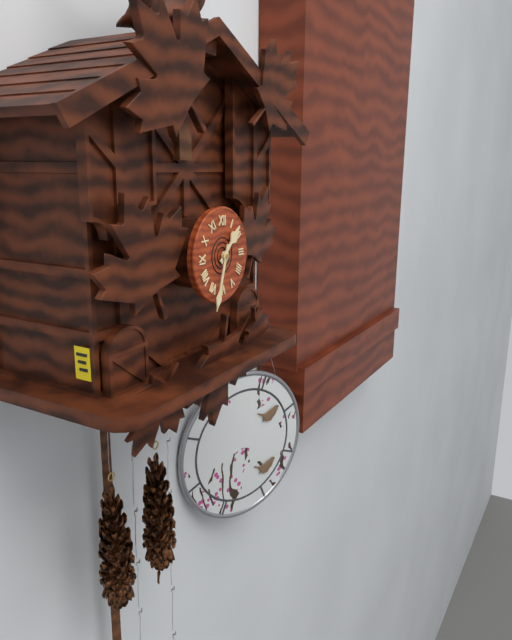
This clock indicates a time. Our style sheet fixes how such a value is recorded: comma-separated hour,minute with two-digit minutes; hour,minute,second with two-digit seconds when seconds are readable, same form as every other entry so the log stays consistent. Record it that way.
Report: 1,33
